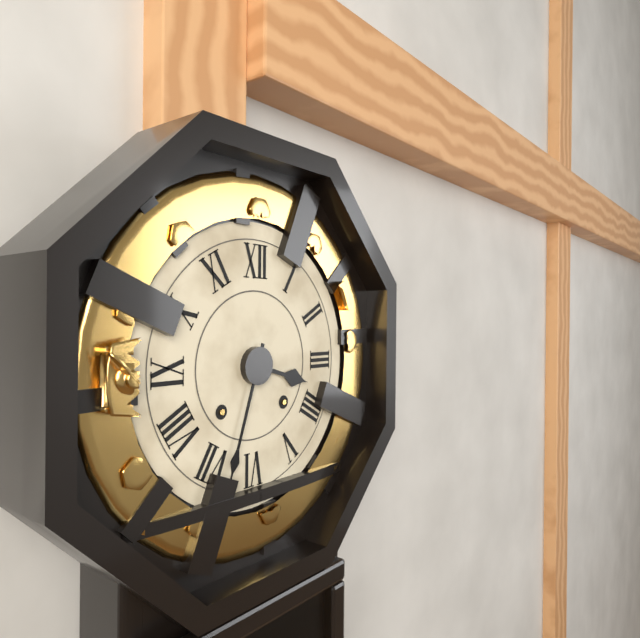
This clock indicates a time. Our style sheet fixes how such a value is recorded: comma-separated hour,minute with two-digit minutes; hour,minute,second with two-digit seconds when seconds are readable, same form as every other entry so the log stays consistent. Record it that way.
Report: 3,33
